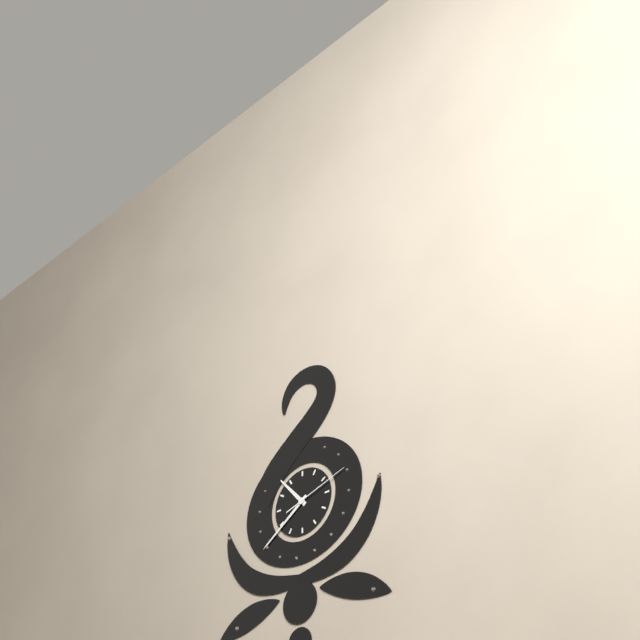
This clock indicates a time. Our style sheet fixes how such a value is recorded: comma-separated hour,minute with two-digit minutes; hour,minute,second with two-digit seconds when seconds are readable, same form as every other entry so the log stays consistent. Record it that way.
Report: 10,39,12
